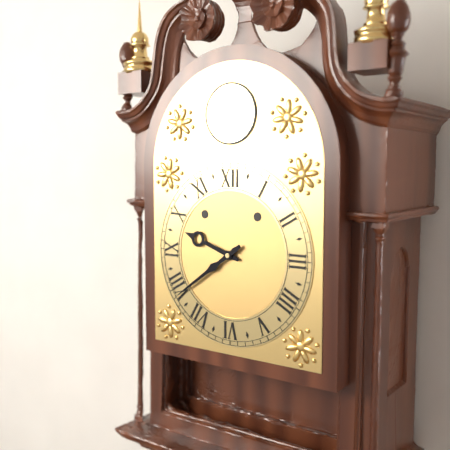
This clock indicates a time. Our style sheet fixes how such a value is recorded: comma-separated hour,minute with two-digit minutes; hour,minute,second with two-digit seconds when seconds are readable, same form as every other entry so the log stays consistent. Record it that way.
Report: 9,39
